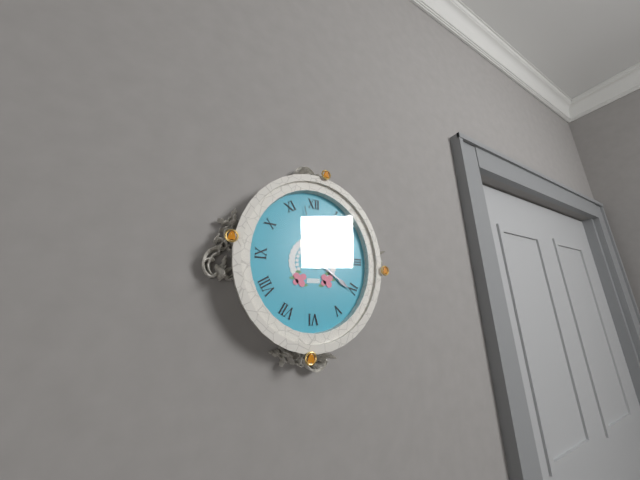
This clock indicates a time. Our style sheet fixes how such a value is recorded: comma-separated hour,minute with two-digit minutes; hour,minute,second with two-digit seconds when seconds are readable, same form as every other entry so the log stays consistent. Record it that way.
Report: 12,21,58
